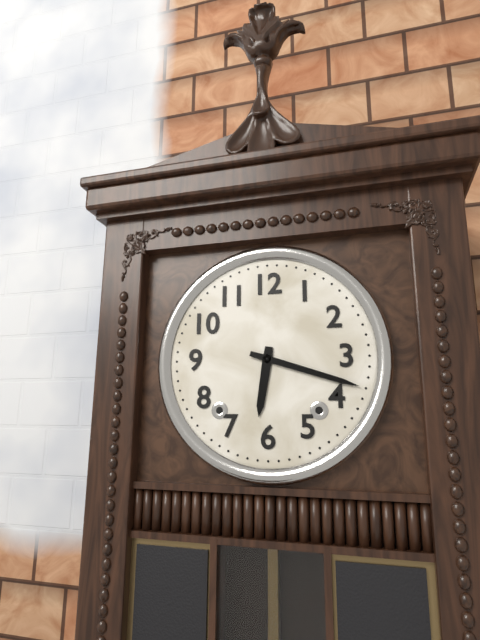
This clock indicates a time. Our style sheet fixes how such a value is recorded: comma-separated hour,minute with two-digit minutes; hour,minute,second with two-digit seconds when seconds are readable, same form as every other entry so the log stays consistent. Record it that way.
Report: 6,18
